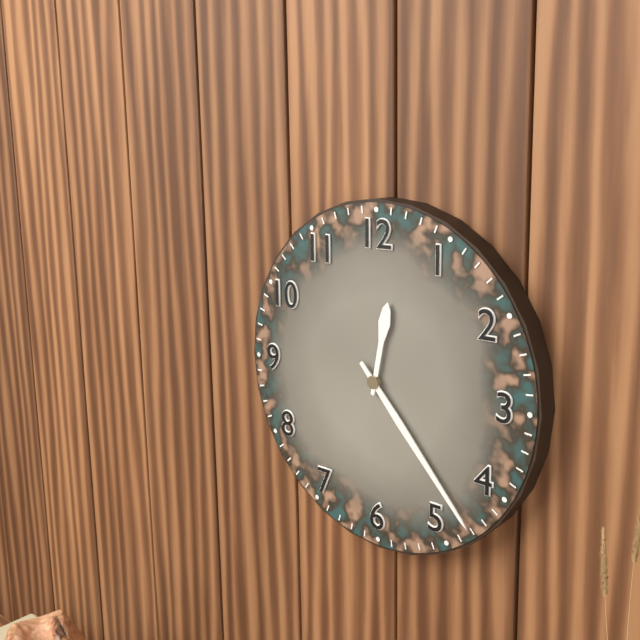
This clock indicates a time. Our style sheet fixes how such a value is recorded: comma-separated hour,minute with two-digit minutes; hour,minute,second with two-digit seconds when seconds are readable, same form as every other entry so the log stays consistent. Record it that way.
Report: 12,23
